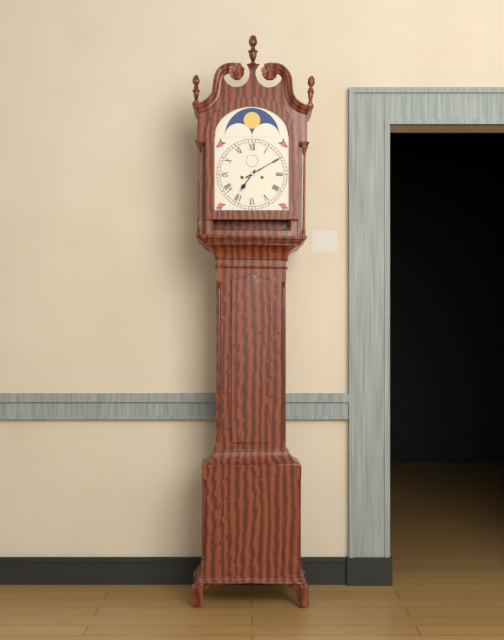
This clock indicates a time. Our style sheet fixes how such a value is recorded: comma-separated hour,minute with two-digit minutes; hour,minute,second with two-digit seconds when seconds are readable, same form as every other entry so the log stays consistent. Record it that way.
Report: 7,10
